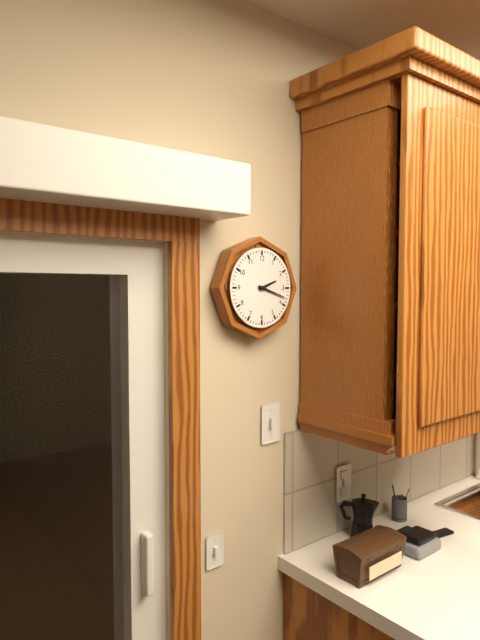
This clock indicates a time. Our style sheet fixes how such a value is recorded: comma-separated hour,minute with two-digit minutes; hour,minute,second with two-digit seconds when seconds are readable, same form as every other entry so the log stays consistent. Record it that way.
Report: 2,18
